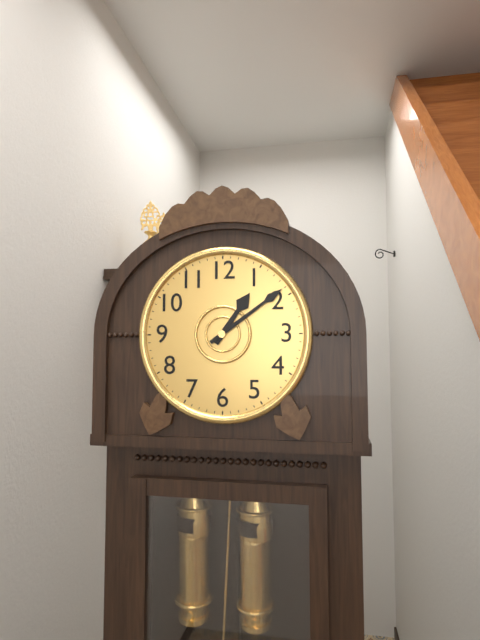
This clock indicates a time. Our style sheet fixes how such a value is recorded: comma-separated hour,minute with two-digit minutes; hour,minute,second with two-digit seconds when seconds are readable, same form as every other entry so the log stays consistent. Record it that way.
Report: 1,09
